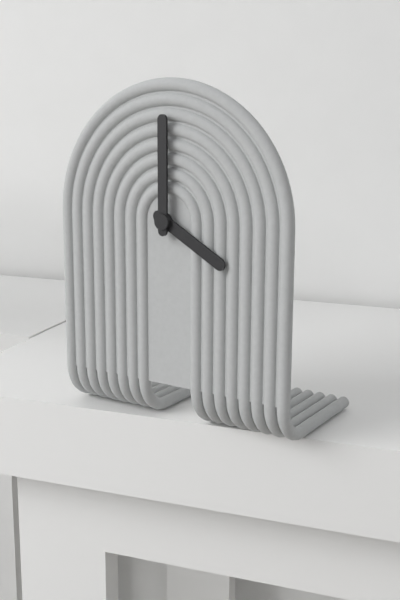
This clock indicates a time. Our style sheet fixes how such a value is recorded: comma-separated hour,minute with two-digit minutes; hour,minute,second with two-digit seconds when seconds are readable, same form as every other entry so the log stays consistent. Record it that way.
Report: 4,00
